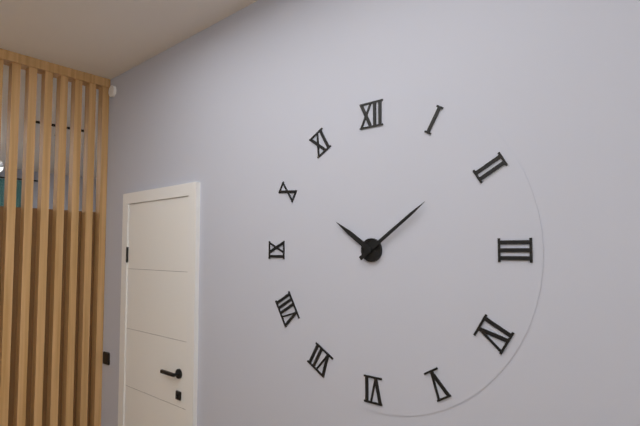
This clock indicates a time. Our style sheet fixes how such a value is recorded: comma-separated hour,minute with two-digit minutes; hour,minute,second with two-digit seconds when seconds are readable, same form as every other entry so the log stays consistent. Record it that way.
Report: 10,09
